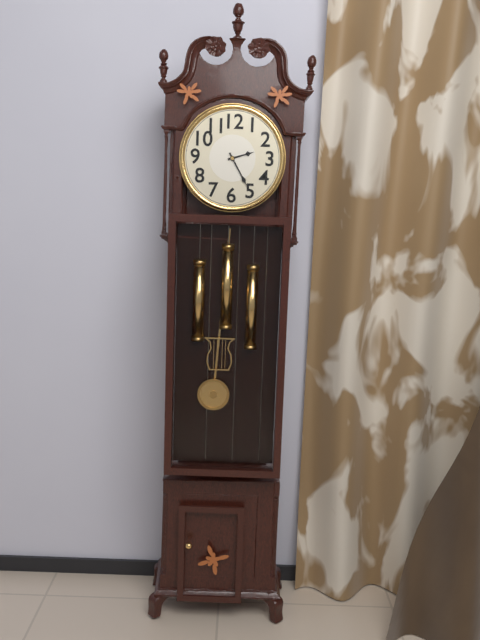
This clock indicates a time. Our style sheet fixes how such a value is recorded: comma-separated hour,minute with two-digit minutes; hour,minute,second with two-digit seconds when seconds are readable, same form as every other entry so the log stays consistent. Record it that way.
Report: 2,25
